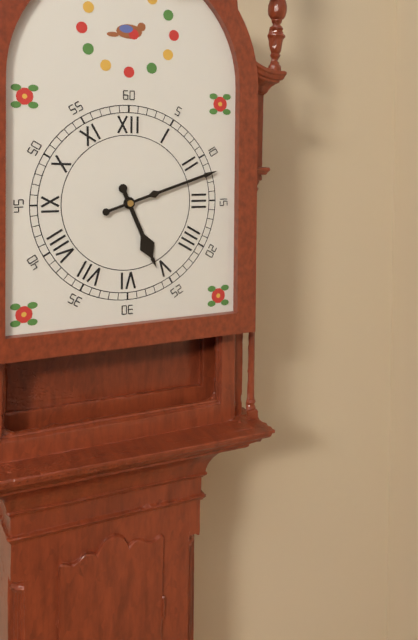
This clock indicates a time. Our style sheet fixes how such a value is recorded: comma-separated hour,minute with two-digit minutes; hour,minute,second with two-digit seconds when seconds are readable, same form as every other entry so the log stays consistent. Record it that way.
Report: 5,12
